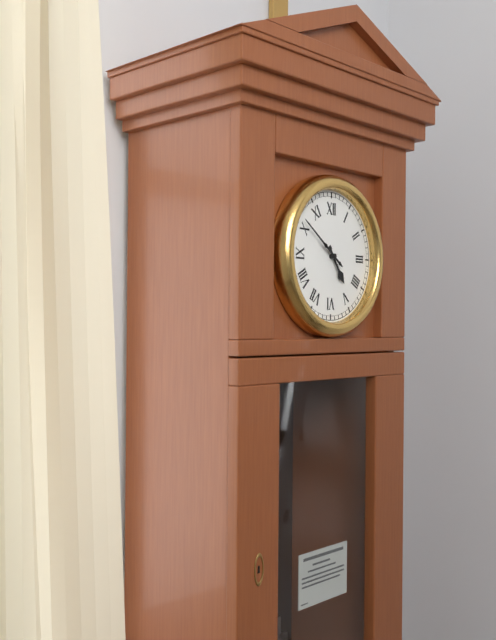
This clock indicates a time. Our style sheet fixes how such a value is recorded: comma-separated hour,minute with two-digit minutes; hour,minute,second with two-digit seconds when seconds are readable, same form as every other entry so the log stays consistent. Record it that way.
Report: 4,51
